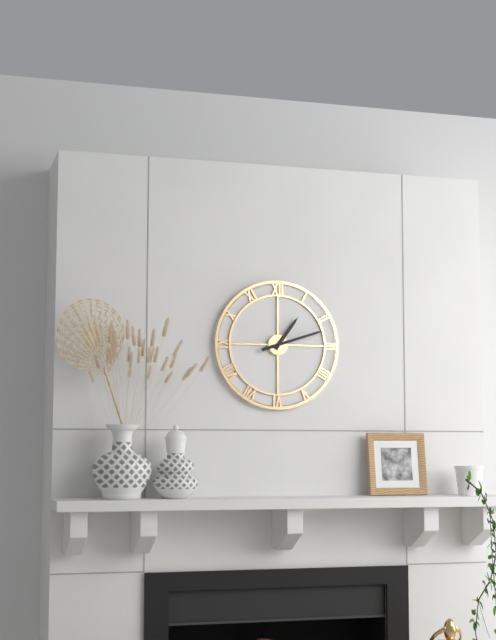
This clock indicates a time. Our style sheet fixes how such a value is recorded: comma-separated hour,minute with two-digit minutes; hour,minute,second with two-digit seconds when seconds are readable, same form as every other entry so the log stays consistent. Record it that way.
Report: 1,12
